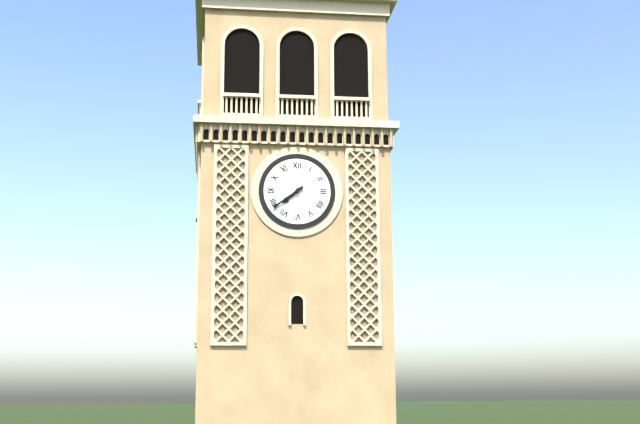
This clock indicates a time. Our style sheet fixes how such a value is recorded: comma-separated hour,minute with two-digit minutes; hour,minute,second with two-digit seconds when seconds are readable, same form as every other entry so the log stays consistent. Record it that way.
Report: 7,39
